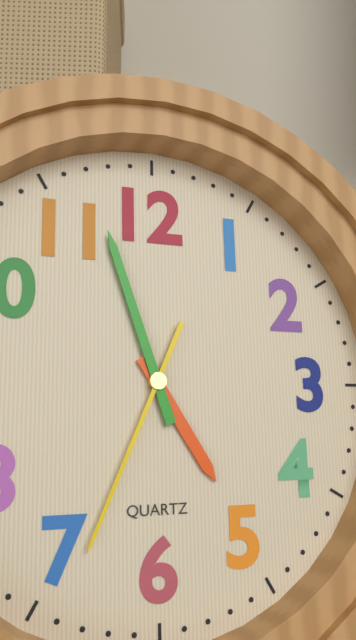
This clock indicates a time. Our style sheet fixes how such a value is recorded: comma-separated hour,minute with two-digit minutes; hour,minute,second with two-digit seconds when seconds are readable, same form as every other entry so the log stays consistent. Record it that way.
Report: 4,57,34
